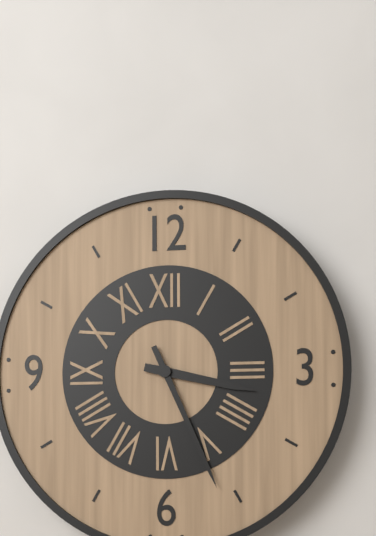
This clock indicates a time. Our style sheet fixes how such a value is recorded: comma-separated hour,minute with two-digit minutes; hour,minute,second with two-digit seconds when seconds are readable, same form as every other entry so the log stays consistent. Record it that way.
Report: 3,26
